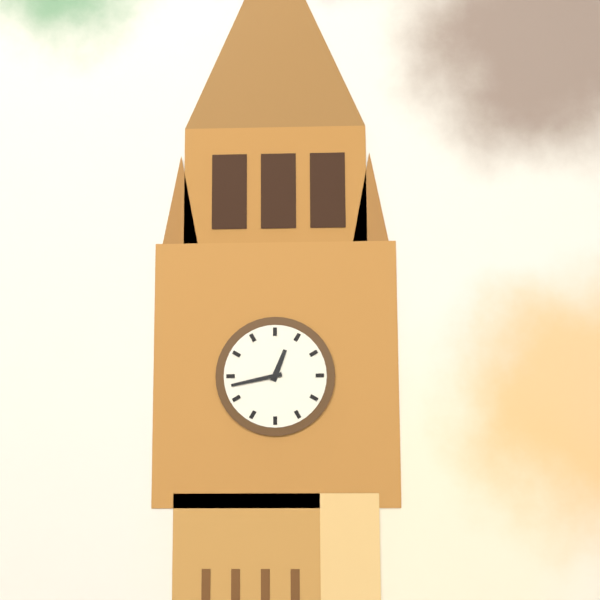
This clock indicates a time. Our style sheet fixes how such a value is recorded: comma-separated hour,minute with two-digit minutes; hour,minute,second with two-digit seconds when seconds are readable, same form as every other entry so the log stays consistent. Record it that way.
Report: 12,43
